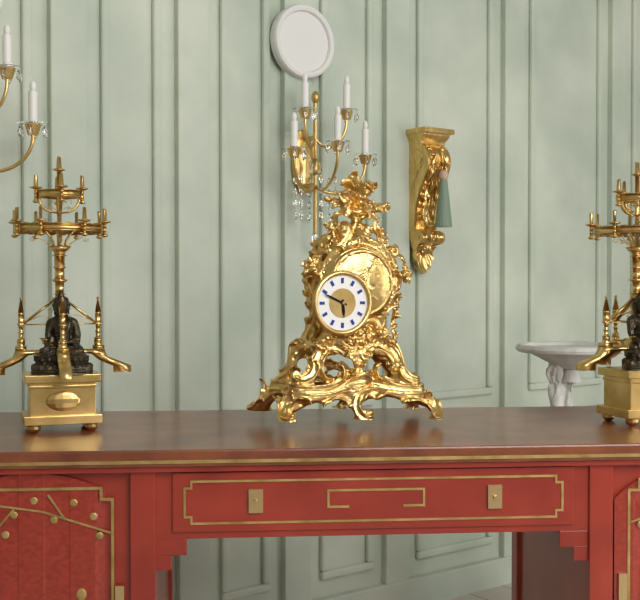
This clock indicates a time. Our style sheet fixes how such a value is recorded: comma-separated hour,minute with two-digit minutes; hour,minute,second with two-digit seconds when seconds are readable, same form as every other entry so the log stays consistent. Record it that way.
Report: 5,49
